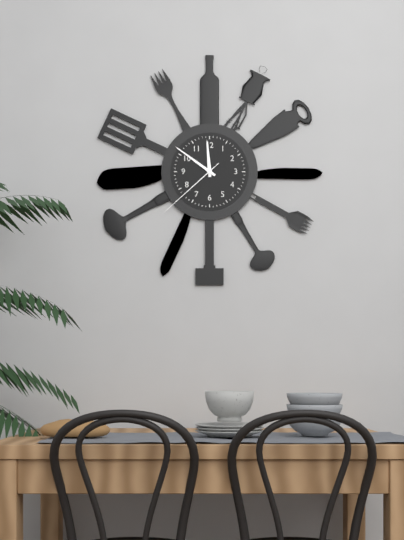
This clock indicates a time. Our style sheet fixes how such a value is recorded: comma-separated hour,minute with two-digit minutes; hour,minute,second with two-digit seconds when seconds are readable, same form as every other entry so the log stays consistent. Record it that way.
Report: 11,51,38
